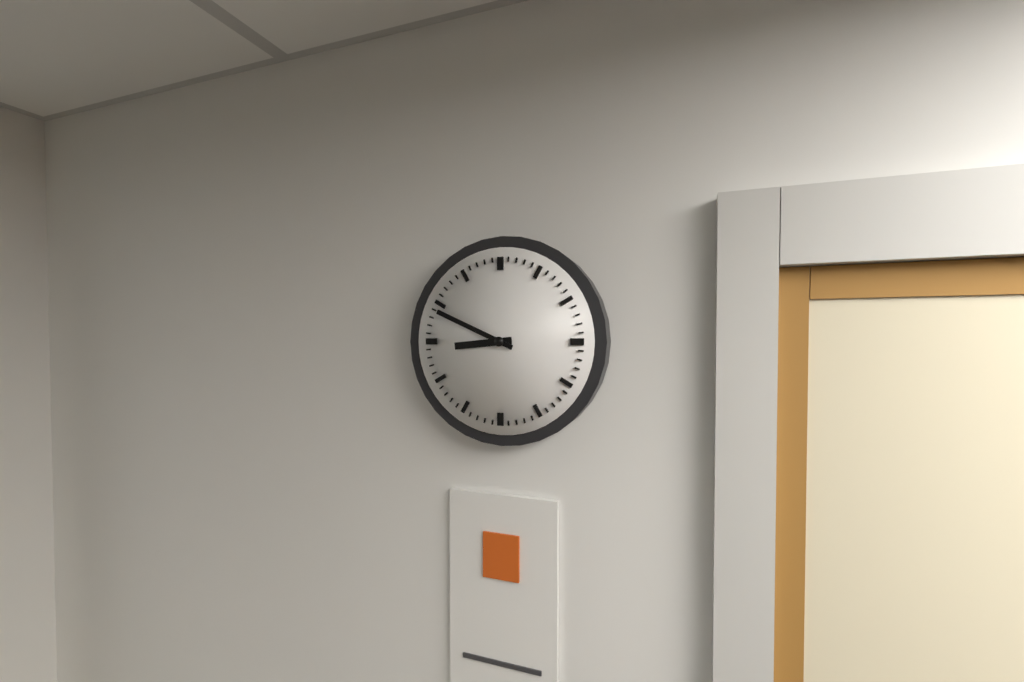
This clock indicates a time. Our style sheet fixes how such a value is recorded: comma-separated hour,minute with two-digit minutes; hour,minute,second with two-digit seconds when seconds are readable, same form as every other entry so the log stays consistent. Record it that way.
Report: 8,49
